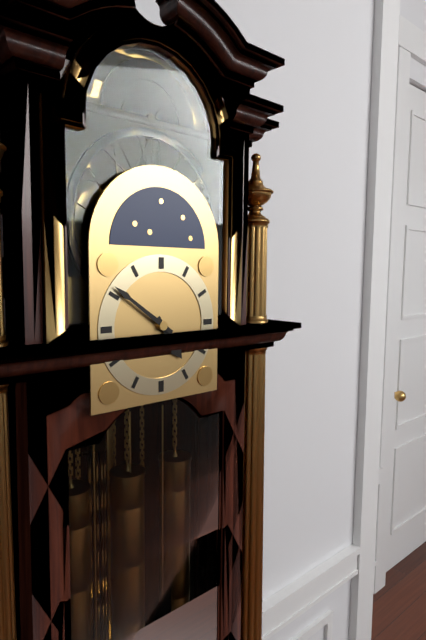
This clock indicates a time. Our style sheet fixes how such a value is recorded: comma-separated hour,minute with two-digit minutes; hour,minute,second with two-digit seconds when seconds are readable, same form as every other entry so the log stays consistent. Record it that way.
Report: 4,51
